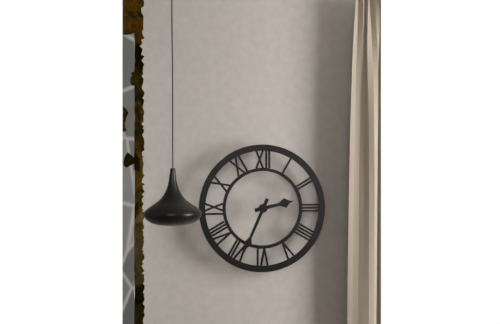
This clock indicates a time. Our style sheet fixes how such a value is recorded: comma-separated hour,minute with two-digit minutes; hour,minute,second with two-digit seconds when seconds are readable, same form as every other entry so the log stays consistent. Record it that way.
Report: 2,34
